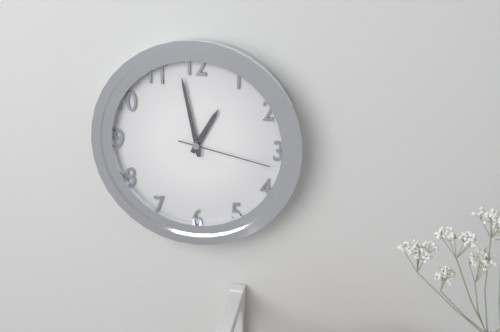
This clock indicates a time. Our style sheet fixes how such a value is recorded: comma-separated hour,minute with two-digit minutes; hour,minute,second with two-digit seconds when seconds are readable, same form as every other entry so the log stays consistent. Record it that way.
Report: 12,58,17
